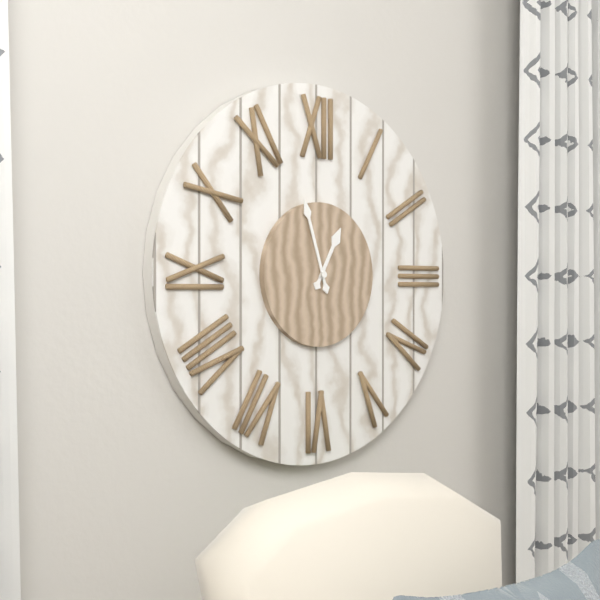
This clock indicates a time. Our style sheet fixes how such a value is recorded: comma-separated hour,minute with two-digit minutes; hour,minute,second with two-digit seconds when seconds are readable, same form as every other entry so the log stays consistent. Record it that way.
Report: 12,57
